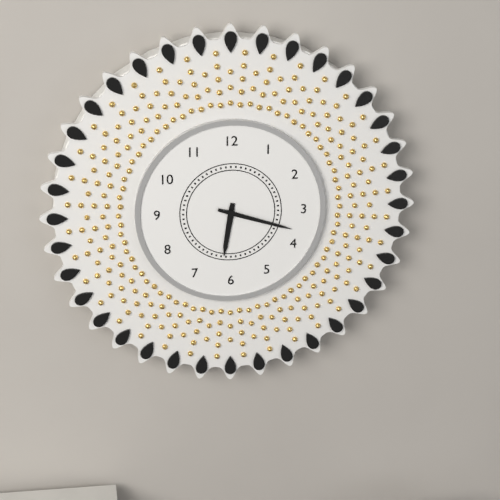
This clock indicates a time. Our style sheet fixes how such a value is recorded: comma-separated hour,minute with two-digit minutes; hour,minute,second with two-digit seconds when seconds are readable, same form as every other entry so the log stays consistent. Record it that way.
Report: 6,18
